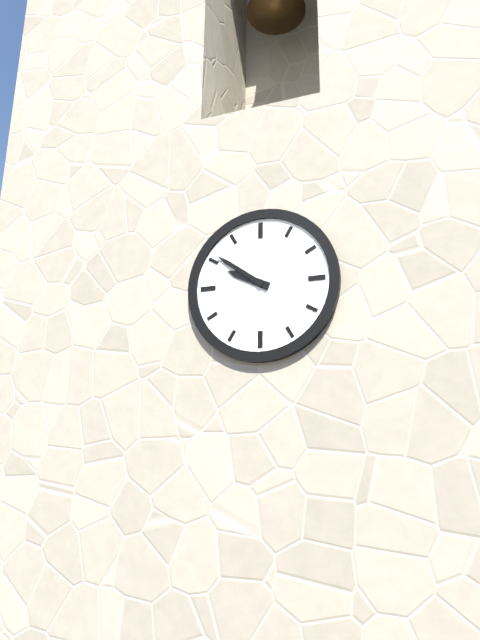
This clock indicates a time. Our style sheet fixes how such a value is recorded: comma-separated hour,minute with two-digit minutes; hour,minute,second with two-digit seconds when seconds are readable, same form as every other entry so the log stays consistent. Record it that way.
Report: 9,51
